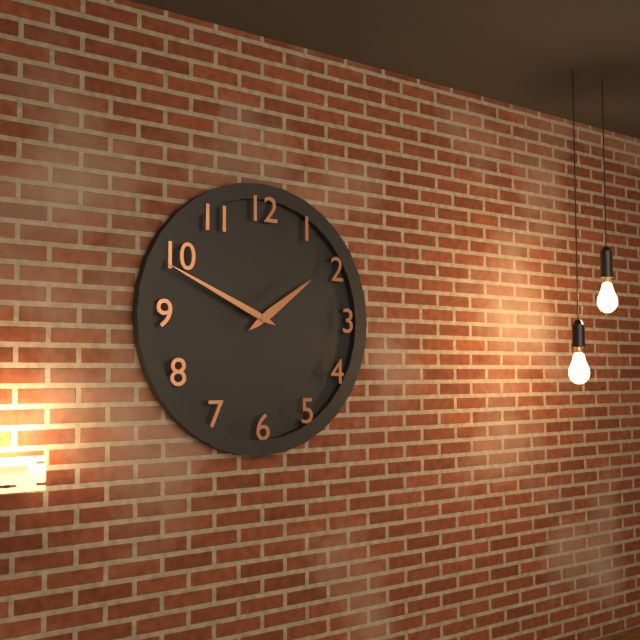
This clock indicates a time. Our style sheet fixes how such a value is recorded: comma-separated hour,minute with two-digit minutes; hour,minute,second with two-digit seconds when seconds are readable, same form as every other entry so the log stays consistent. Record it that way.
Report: 1,49
